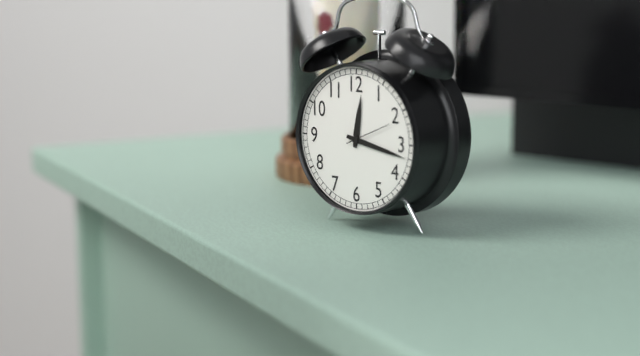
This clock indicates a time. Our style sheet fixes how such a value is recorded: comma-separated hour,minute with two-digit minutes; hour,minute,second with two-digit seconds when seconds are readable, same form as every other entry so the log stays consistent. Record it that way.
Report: 12,17
